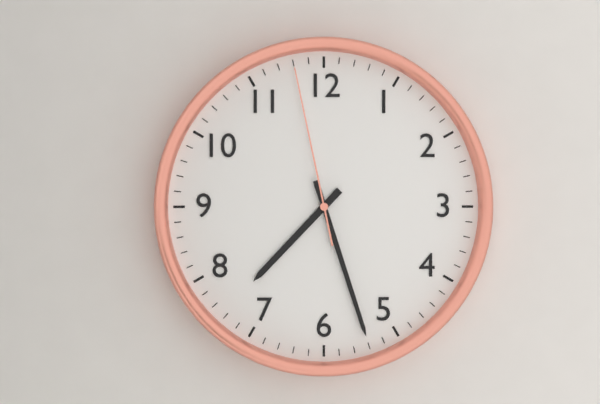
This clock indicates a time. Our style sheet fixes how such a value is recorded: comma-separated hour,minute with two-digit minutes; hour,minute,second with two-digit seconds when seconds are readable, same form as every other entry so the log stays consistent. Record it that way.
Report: 7,27,58
